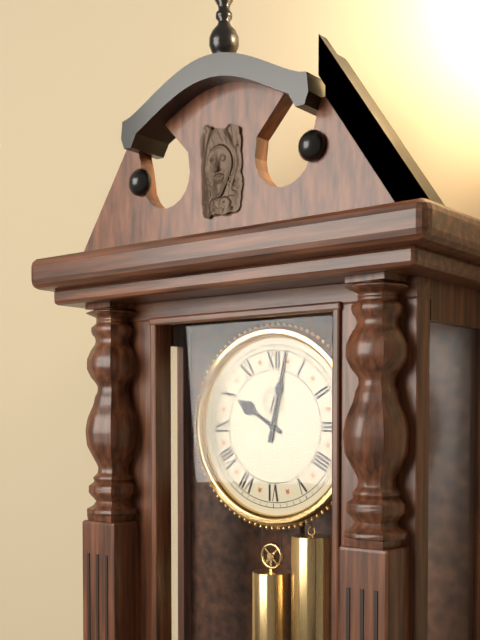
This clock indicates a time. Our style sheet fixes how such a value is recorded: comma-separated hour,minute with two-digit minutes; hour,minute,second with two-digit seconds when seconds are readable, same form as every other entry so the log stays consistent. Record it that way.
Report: 10,02
